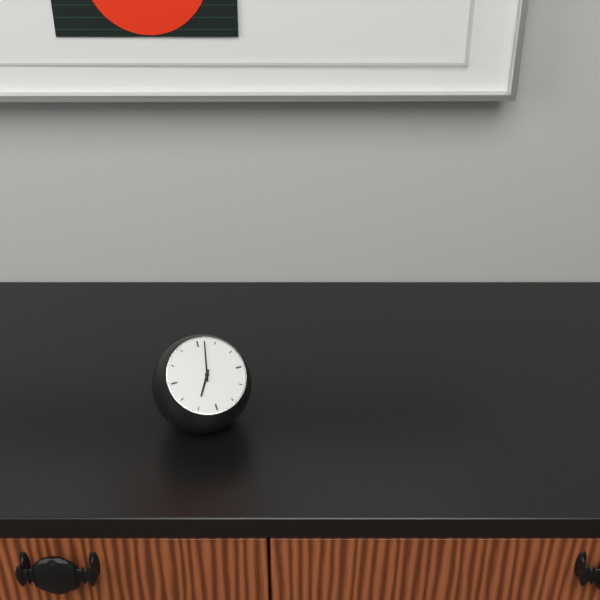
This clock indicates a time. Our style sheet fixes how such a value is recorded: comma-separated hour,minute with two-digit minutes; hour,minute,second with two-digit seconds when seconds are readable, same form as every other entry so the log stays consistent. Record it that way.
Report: 7,02
